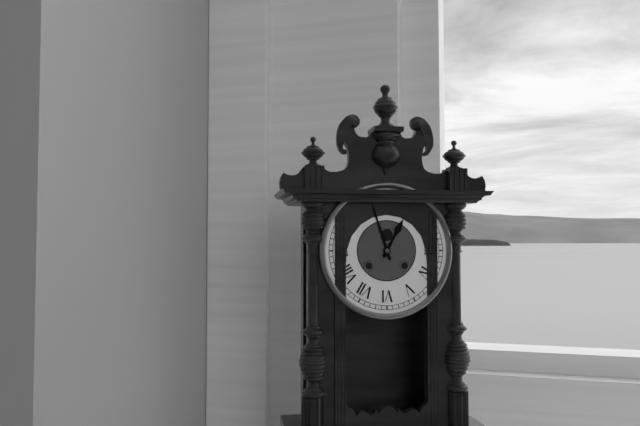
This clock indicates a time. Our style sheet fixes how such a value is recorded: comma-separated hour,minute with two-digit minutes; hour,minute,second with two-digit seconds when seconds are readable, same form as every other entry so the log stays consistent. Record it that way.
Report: 12,57
